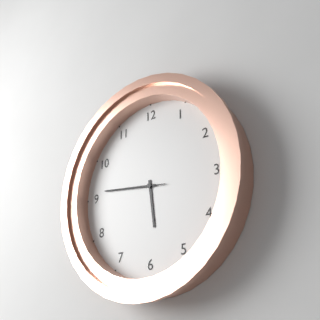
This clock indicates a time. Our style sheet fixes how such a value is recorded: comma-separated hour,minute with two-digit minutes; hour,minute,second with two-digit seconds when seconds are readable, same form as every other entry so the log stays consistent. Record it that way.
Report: 5,46,46
